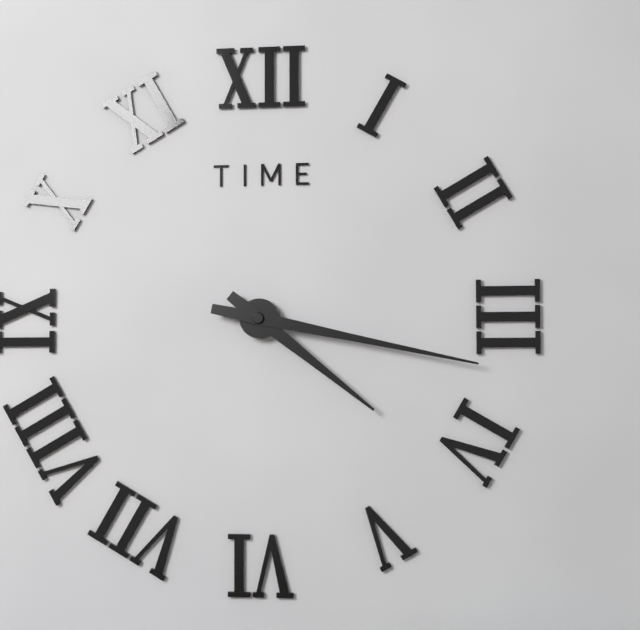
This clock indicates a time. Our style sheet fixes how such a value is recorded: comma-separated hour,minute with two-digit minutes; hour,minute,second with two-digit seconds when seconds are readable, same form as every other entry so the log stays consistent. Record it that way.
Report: 4,17
